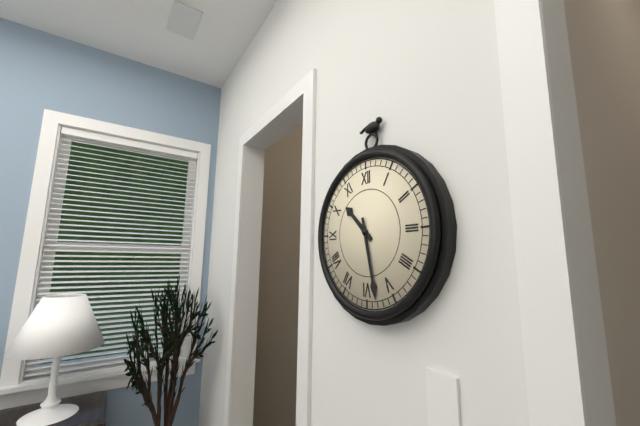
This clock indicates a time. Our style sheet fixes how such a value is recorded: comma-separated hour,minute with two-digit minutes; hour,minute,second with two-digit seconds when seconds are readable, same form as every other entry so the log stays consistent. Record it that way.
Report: 10,28
